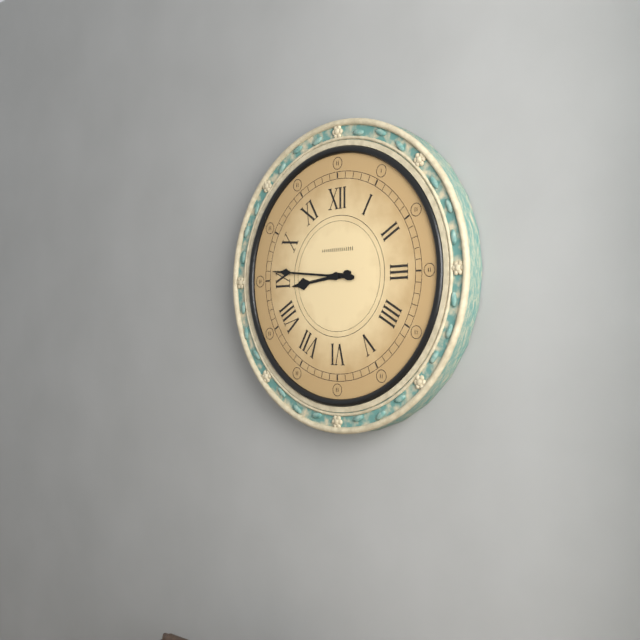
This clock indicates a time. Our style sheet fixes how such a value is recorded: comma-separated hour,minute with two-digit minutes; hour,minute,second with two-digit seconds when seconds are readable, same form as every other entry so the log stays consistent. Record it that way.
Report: 8,46
